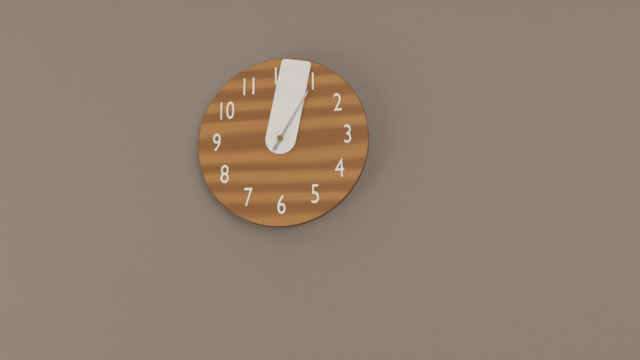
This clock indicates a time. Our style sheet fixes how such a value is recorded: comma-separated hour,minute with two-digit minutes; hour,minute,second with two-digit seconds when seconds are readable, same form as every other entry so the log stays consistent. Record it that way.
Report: 1,02
